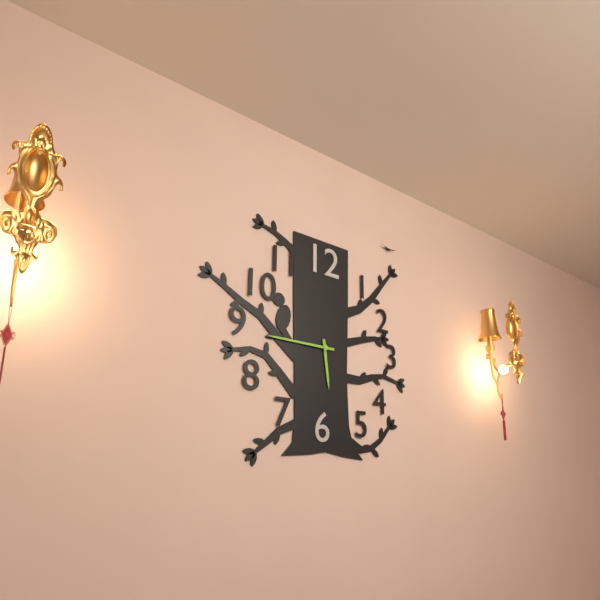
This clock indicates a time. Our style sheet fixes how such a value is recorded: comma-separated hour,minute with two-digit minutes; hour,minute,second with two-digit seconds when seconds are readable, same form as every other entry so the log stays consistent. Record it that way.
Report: 5,45
